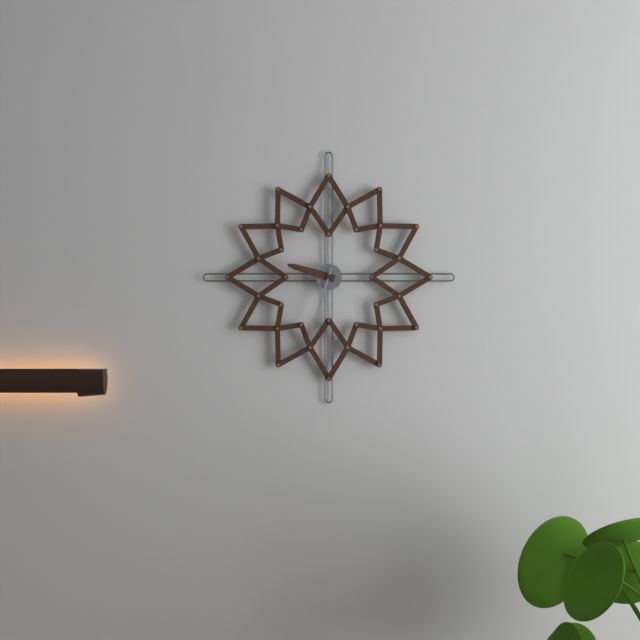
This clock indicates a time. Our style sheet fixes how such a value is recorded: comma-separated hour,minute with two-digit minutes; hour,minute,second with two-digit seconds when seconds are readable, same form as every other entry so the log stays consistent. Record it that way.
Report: 9,33
